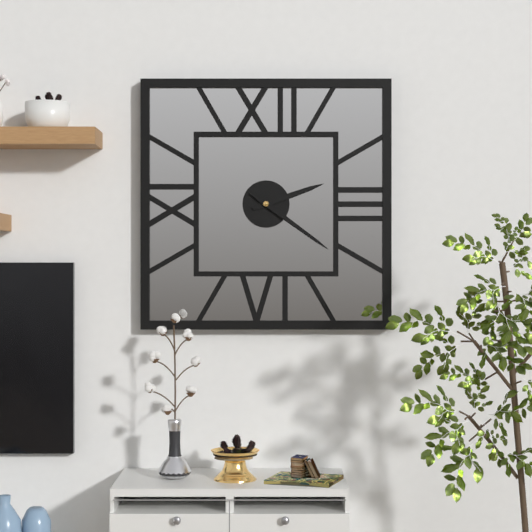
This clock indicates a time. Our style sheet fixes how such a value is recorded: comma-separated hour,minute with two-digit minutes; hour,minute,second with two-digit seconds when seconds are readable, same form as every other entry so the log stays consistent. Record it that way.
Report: 2,21
